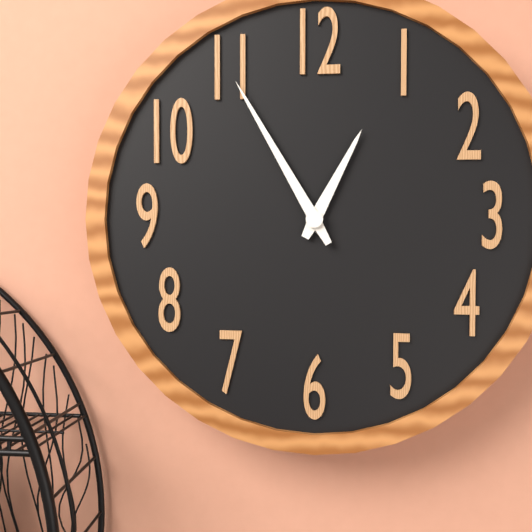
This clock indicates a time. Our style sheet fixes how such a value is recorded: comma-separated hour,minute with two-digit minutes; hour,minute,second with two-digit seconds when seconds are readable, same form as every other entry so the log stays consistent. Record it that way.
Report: 12,55
